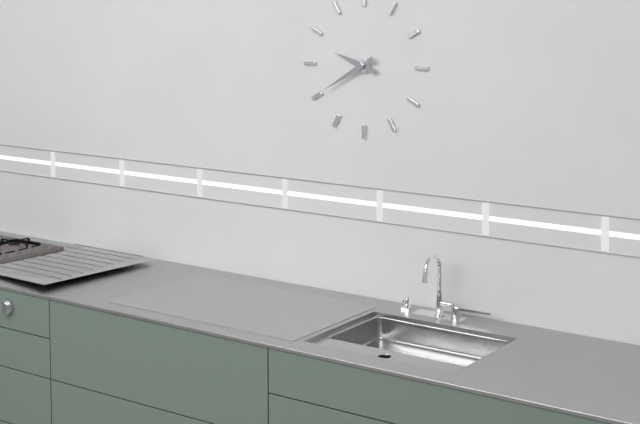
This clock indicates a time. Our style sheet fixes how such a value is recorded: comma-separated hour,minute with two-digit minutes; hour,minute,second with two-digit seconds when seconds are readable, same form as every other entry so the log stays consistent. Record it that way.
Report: 9,40
